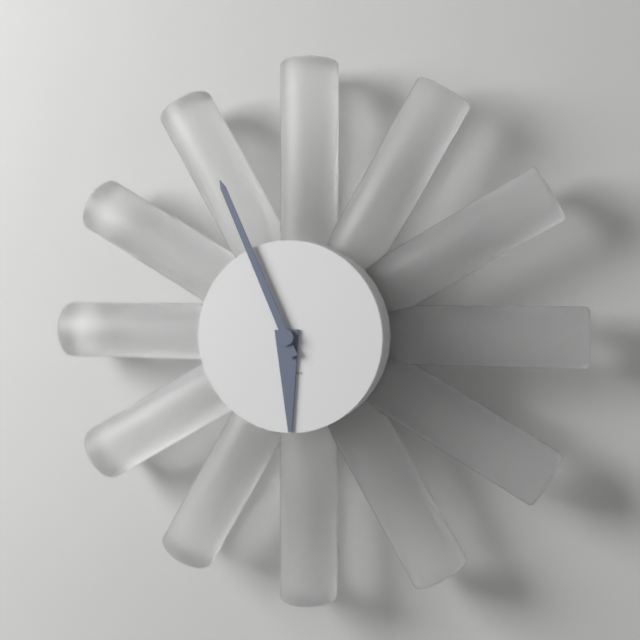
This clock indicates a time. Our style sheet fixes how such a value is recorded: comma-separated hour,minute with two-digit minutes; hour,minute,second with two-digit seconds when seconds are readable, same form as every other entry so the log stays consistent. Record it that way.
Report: 5,56
